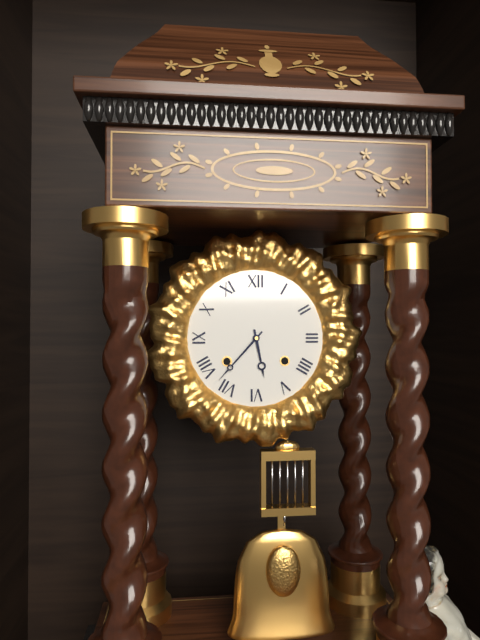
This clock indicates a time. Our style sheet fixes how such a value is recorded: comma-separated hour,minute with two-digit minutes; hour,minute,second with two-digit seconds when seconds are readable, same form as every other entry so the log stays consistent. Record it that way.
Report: 5,37
